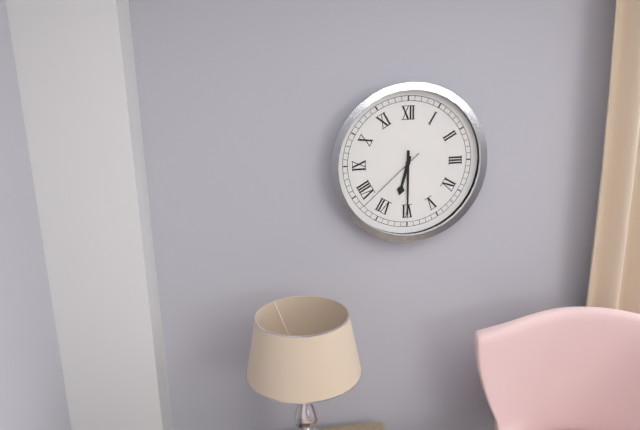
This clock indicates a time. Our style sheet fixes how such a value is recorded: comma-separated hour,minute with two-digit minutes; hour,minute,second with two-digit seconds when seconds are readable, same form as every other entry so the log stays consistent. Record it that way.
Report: 6,30,38
